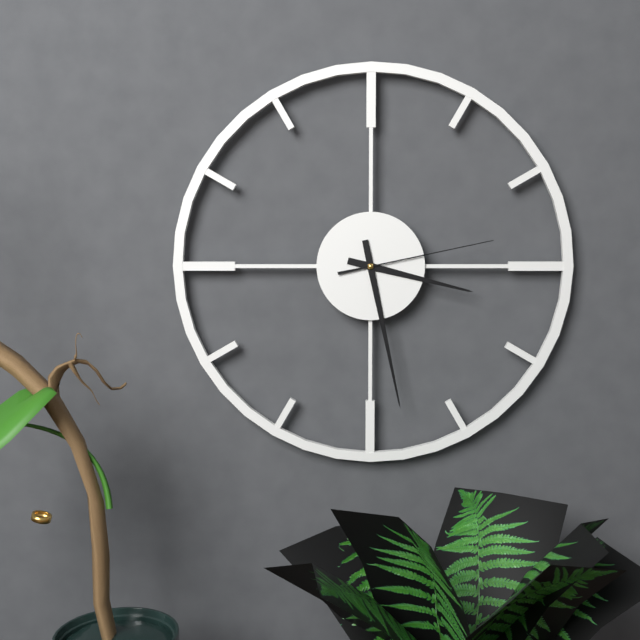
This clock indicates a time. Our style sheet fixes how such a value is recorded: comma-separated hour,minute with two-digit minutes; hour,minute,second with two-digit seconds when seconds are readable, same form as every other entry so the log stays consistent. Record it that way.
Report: 3,28,13
